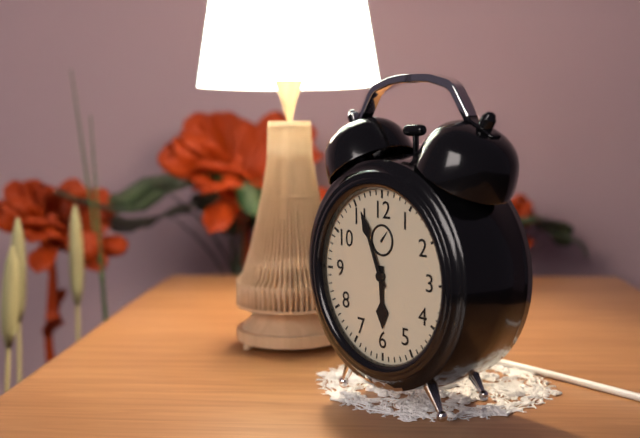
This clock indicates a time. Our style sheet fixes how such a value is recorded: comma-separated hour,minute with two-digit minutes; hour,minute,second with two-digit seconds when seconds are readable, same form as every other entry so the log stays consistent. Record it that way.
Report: 5,56
